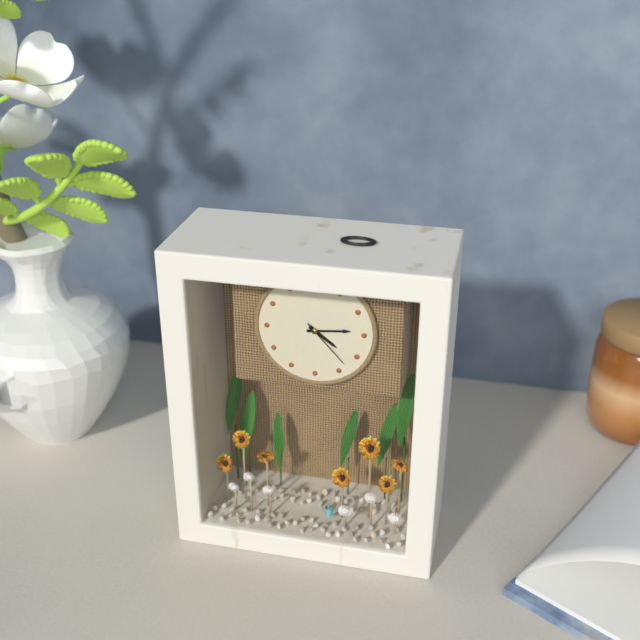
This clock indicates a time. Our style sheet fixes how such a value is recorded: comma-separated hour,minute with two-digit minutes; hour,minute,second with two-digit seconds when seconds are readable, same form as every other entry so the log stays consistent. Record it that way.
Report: 4,14,23
